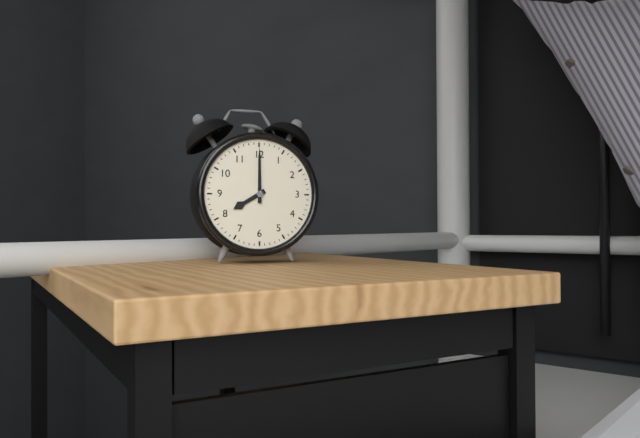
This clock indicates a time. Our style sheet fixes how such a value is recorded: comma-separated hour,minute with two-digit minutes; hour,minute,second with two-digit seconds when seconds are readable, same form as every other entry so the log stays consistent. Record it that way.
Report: 8,00
